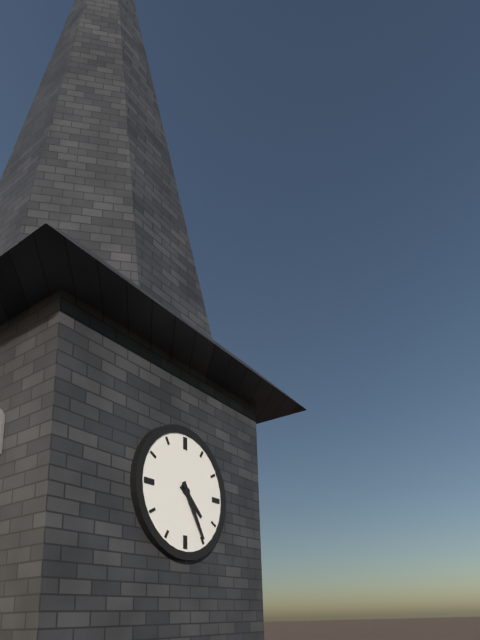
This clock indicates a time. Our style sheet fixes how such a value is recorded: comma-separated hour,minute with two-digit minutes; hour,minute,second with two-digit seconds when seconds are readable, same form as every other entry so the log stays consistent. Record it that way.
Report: 4,25
